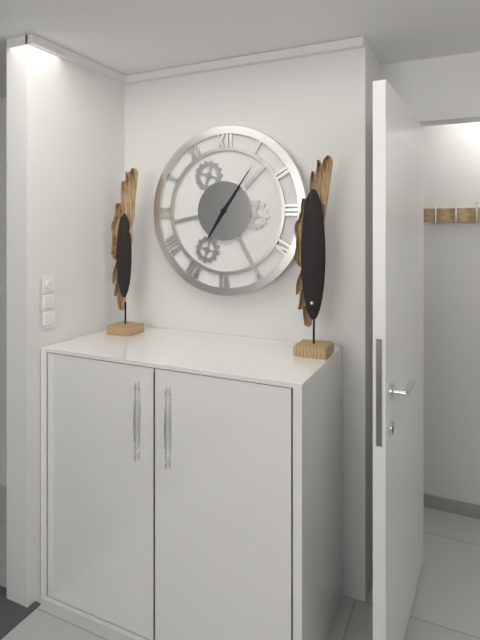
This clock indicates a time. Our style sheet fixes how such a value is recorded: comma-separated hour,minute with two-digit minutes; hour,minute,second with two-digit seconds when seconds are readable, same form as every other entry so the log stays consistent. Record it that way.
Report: 7,06
